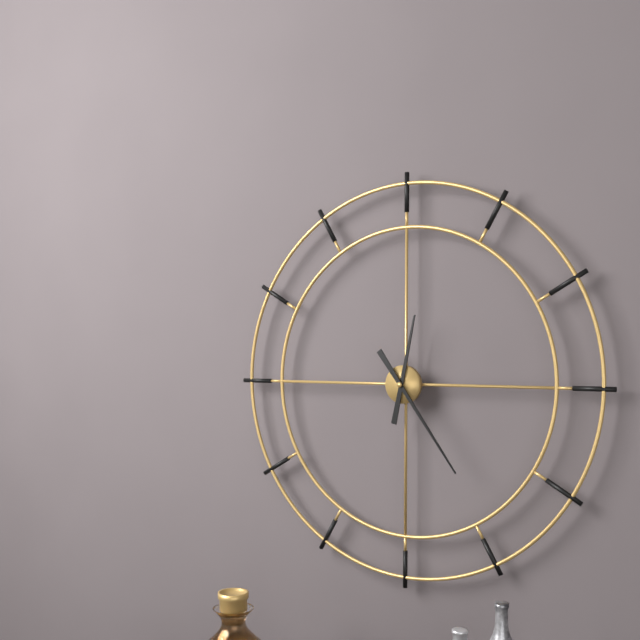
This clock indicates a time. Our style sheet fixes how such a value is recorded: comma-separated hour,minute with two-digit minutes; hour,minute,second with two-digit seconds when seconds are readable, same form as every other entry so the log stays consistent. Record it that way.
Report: 12,24
